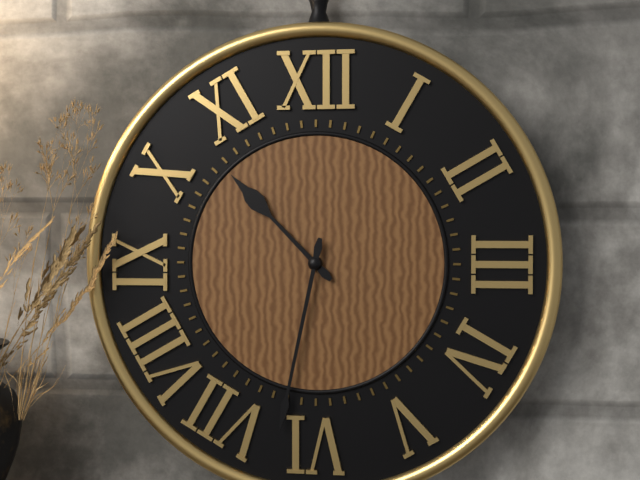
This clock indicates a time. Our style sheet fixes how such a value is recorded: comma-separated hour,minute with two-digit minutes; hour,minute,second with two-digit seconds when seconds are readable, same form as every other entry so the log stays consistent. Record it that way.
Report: 10,32
